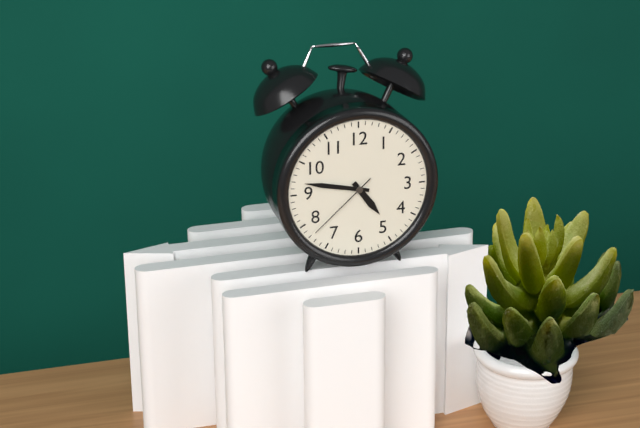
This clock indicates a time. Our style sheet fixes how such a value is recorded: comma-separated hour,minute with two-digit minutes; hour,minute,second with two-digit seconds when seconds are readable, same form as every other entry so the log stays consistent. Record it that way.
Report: 4,47,38
